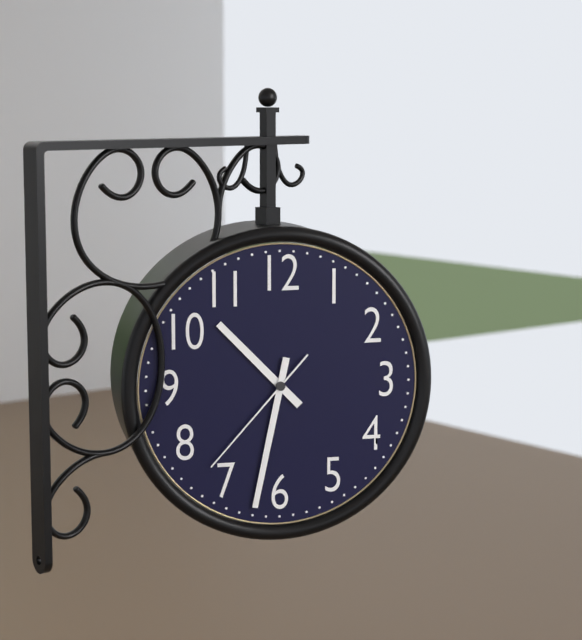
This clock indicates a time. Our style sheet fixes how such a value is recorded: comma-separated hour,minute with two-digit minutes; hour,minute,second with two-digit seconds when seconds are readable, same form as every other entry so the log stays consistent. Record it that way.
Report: 10,32,37
